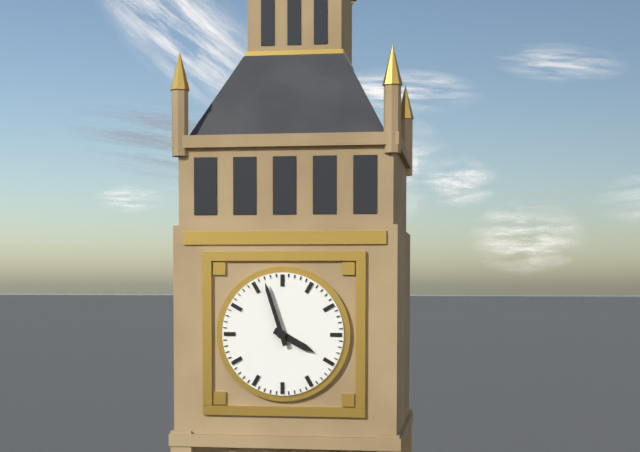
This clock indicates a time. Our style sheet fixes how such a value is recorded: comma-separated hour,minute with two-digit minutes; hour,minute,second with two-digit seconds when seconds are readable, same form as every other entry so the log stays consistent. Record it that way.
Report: 3,57
